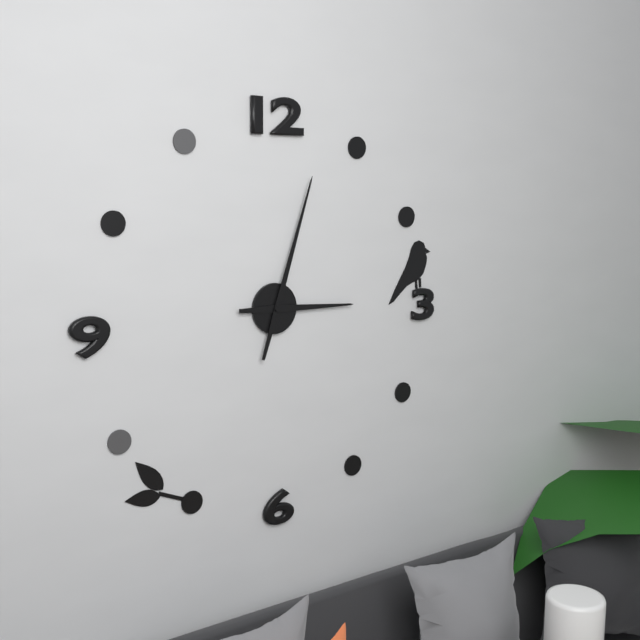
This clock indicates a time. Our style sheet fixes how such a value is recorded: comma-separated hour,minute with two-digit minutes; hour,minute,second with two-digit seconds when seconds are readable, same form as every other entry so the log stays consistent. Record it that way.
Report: 3,03
